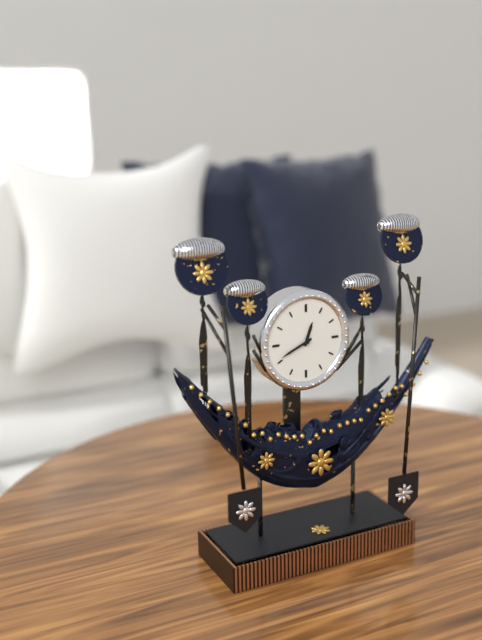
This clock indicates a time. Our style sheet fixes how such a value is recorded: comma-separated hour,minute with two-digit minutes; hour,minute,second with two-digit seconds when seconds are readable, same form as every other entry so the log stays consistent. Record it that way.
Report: 12,41
